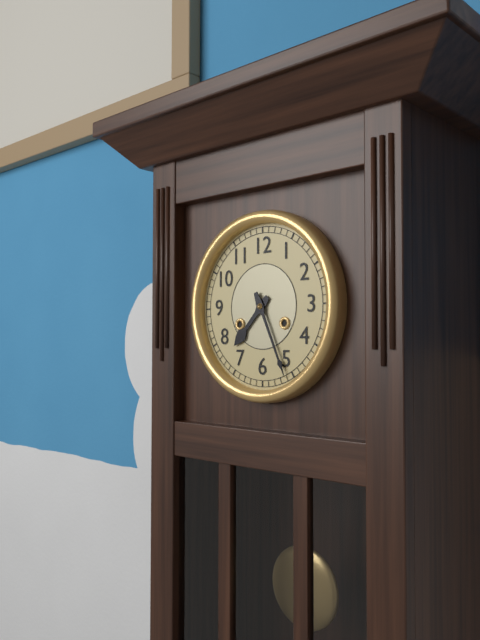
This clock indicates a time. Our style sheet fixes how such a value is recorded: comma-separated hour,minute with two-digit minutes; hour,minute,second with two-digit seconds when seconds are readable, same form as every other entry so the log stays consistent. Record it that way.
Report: 7,26
